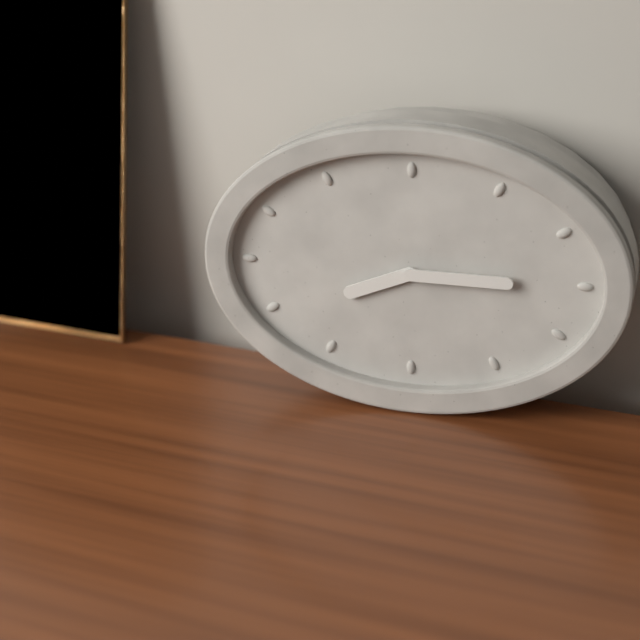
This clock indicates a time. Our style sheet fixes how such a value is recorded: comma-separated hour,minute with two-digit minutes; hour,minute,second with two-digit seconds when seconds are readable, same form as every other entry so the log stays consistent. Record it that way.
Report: 8,15
